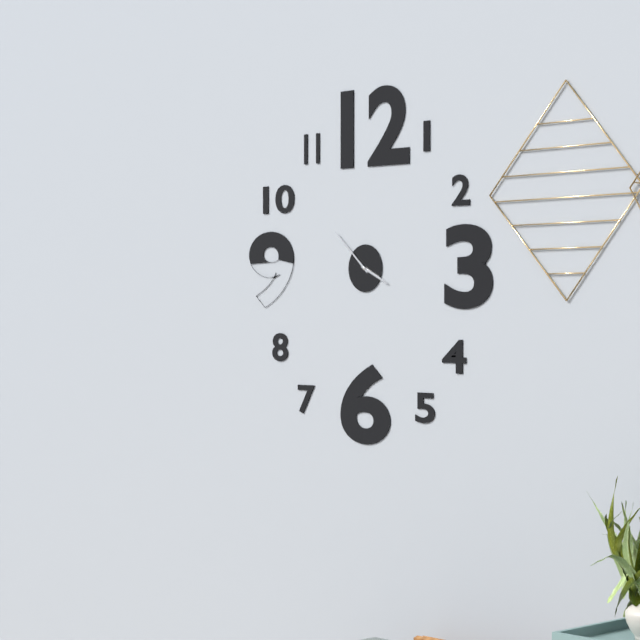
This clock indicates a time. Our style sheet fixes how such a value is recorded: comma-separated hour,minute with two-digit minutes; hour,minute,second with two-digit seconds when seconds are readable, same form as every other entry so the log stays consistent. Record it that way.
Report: 3,52
